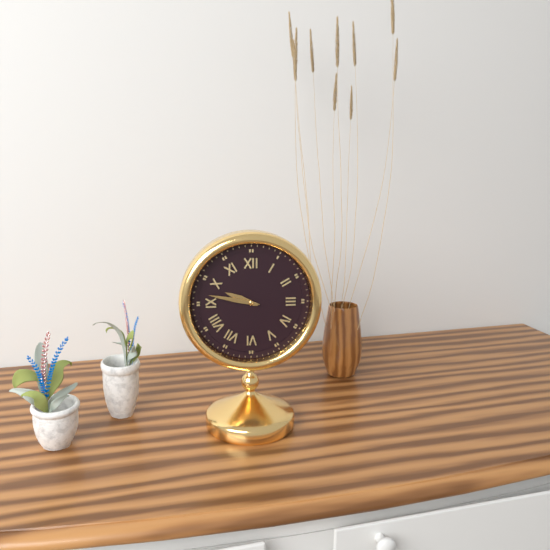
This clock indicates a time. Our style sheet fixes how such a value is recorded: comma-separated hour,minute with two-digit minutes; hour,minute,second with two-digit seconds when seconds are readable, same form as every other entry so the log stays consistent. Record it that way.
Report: 9,47
